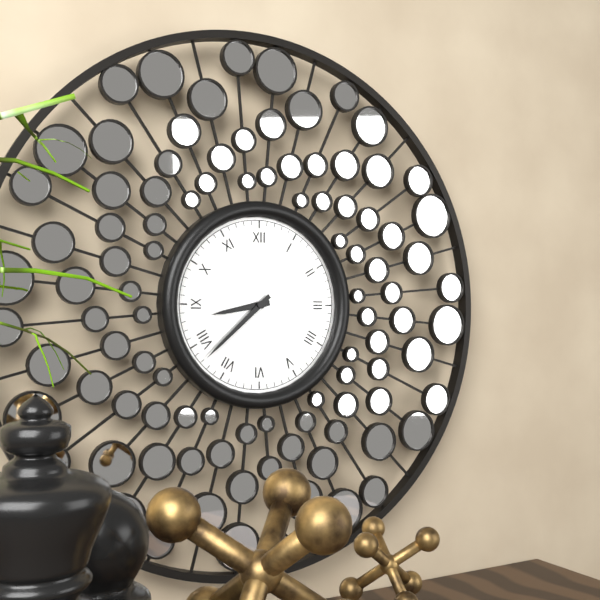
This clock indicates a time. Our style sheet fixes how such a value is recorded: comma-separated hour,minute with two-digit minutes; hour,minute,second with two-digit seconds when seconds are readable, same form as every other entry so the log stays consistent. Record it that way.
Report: 8,38
